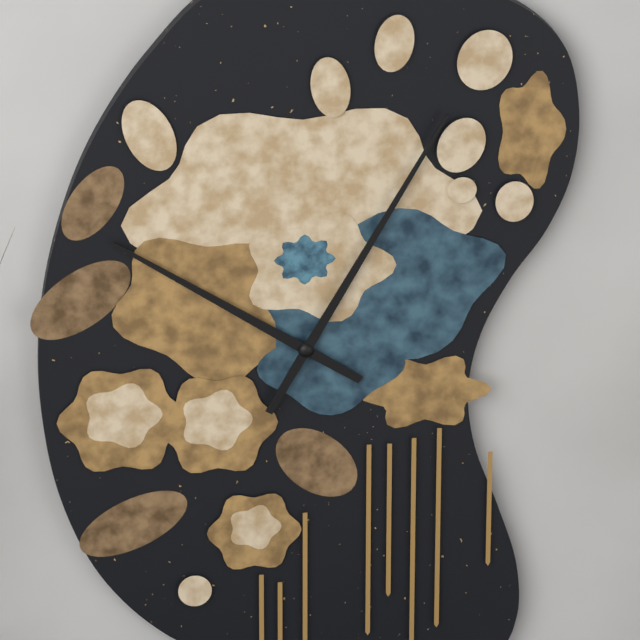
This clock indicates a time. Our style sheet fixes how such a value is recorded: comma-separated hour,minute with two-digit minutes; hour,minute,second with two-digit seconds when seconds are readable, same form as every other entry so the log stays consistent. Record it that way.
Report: 10,05
